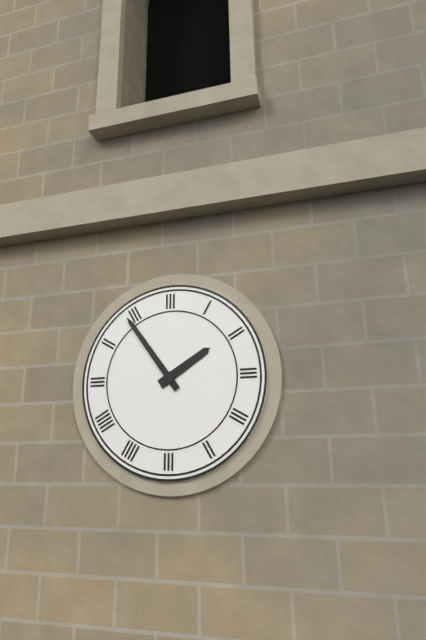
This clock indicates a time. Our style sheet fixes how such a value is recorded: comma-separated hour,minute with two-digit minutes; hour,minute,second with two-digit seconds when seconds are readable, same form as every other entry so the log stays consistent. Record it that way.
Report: 1,54
